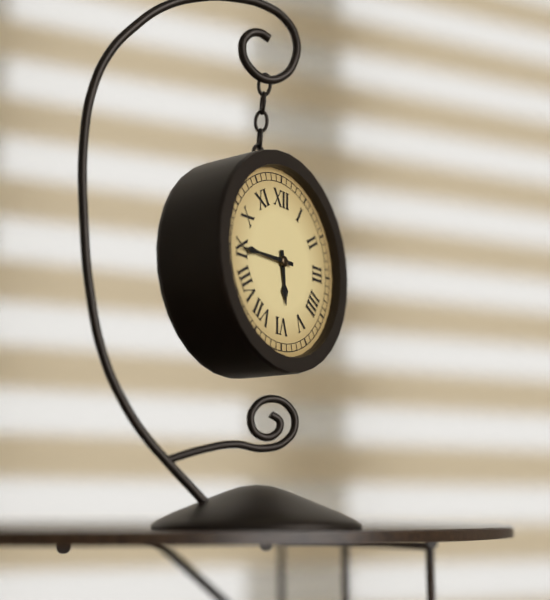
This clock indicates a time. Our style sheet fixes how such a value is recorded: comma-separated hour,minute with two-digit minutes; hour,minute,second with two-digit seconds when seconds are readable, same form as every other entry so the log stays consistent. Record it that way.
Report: 5,45
